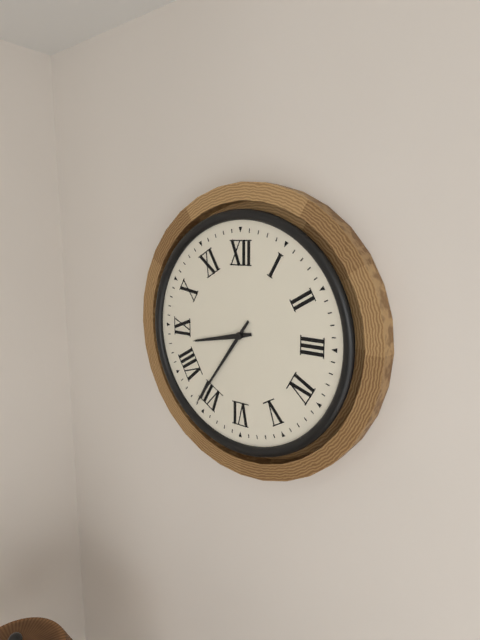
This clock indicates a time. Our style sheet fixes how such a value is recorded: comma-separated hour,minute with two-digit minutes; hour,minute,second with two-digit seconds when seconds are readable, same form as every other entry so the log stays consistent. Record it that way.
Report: 8,36
